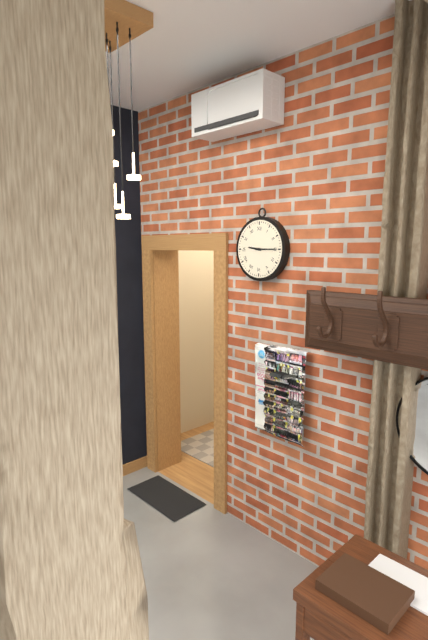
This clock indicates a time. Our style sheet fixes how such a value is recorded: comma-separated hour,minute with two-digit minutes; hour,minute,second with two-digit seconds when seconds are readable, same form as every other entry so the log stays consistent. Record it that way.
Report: 9,15
